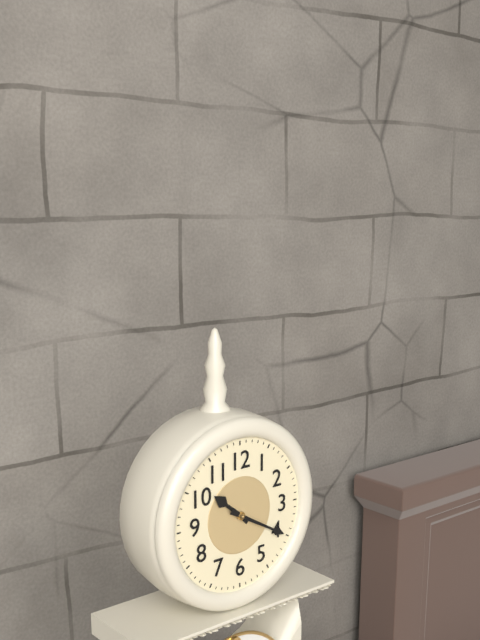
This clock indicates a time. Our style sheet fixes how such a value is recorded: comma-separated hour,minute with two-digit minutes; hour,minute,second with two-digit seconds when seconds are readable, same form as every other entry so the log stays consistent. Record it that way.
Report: 10,20
